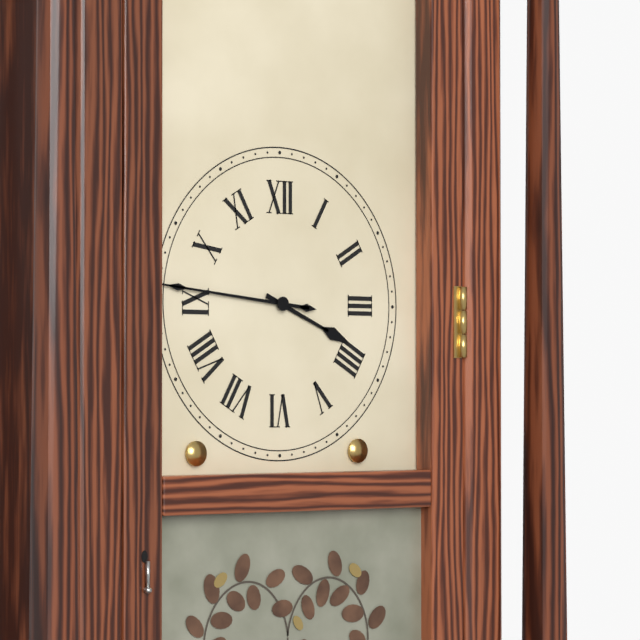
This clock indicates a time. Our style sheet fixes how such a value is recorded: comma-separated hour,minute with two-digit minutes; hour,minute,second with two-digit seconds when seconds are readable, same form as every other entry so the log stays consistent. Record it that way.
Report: 3,46
